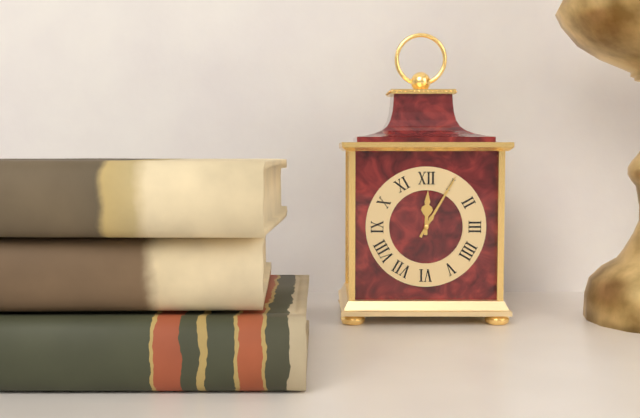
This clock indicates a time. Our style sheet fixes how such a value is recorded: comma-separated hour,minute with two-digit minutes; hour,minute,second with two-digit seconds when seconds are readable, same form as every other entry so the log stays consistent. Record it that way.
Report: 12,05
